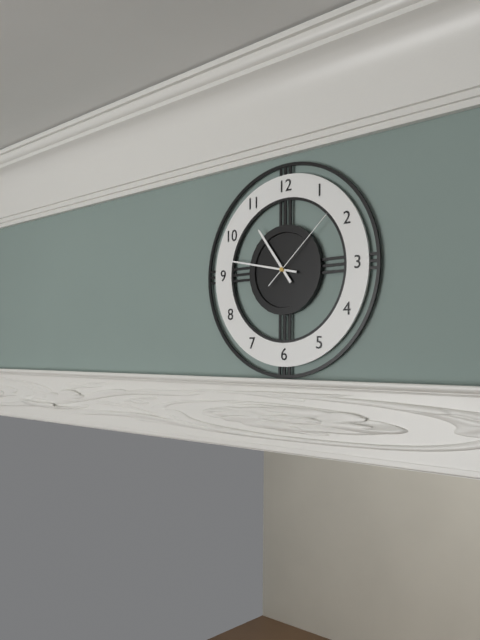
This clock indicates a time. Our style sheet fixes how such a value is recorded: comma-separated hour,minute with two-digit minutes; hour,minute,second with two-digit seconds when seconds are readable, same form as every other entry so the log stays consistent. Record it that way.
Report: 10,47,08
